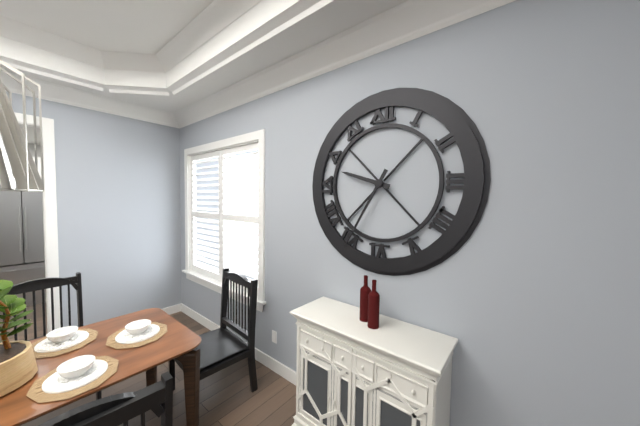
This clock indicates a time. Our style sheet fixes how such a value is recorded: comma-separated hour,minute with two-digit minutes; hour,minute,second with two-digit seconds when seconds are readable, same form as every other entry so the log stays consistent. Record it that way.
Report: 9,35
